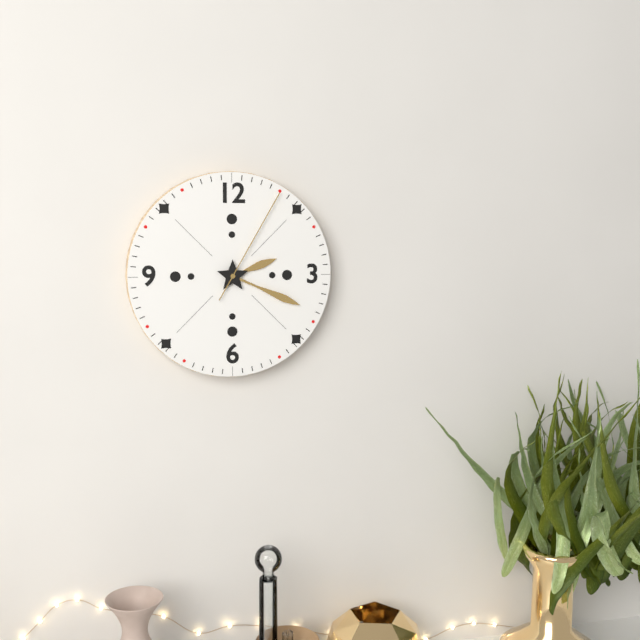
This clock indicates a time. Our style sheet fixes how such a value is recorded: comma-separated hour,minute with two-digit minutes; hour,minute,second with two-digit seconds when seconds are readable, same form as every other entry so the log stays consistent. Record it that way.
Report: 2,19,05
